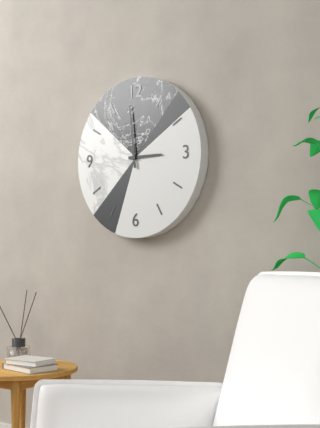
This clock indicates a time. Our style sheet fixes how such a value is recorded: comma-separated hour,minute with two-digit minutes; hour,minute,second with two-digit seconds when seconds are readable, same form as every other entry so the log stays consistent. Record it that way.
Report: 2,59
